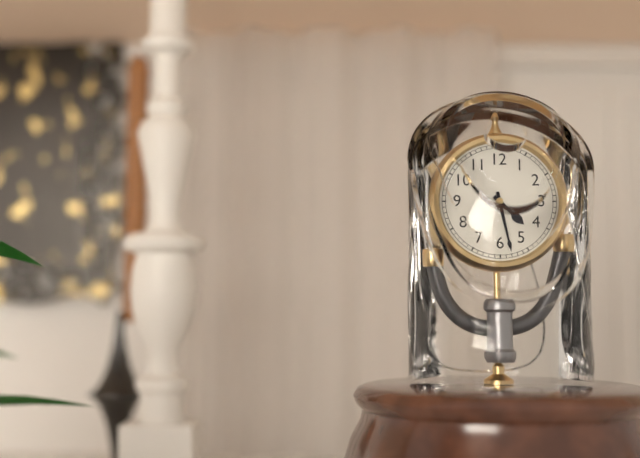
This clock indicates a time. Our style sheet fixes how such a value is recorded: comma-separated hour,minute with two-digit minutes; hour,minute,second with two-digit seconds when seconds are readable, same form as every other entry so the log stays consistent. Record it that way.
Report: 4,28
